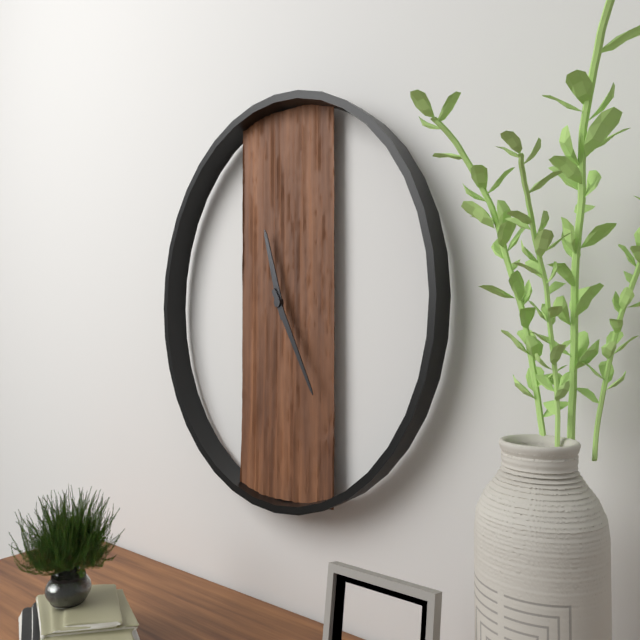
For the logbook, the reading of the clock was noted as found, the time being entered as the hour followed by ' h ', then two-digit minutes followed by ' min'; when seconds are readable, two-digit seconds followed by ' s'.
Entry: 11 h 25 min
